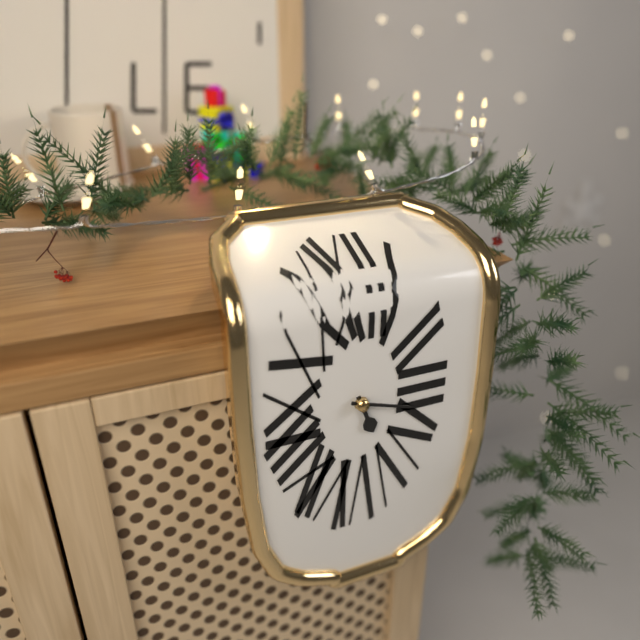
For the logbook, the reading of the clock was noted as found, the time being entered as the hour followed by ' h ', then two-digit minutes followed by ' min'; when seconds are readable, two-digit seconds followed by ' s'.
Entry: 5 h 18 min
